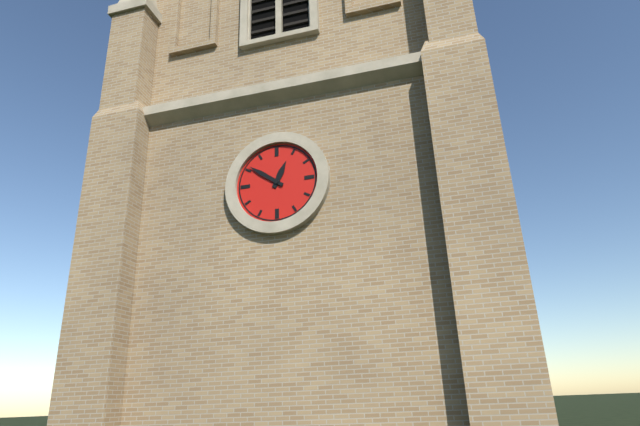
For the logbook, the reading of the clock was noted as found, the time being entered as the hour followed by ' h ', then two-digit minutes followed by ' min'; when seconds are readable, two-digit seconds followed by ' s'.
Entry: 12 h 51 min
